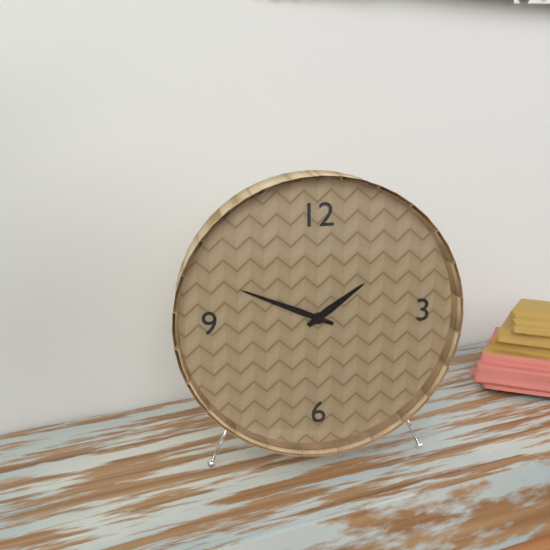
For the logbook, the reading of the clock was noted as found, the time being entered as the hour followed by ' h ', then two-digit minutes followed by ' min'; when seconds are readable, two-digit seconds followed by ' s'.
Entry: 1 h 49 min
